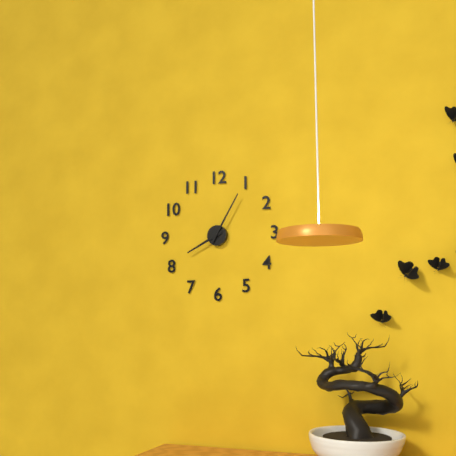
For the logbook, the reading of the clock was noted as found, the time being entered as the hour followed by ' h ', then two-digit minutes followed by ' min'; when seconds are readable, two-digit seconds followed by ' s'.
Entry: 8 h 05 min
